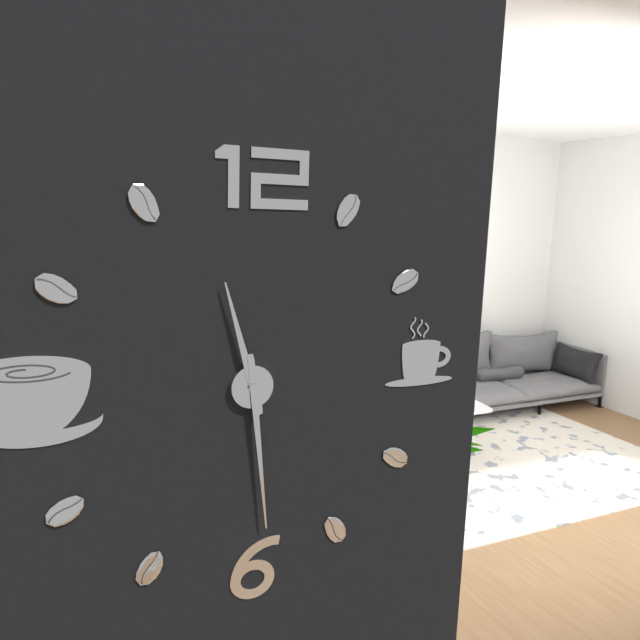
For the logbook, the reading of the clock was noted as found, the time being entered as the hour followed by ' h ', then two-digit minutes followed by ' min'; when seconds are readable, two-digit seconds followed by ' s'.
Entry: 11 h 29 min
